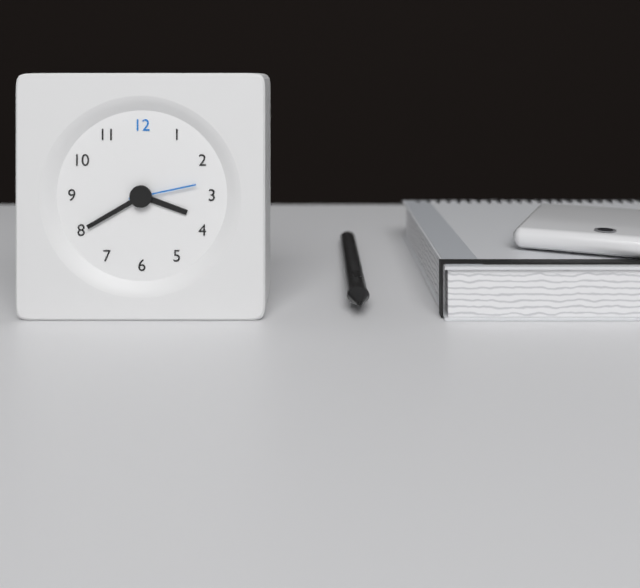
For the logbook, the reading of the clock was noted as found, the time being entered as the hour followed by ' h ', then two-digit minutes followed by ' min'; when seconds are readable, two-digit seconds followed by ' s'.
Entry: 3 h 40 min 13 s
